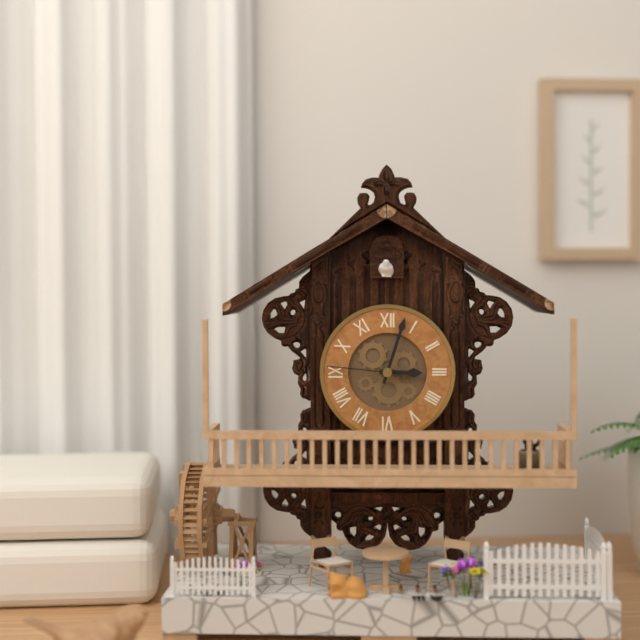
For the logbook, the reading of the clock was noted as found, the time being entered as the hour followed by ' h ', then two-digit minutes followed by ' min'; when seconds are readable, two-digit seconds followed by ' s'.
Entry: 3 h 03 min 46 s
